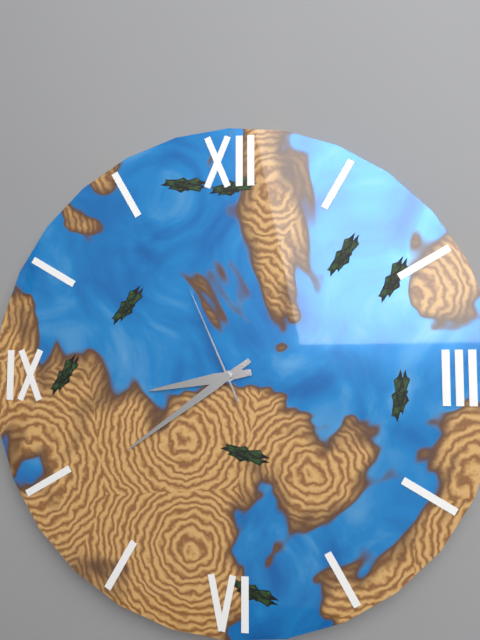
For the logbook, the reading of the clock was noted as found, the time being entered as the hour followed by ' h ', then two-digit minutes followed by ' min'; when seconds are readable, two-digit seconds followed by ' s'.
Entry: 8 h 39 min 56 s
